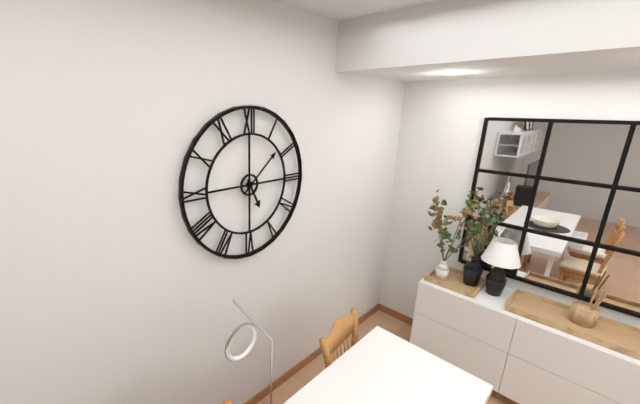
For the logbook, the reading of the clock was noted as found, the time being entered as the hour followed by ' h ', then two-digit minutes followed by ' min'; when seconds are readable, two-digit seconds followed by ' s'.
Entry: 5 h 08 min
